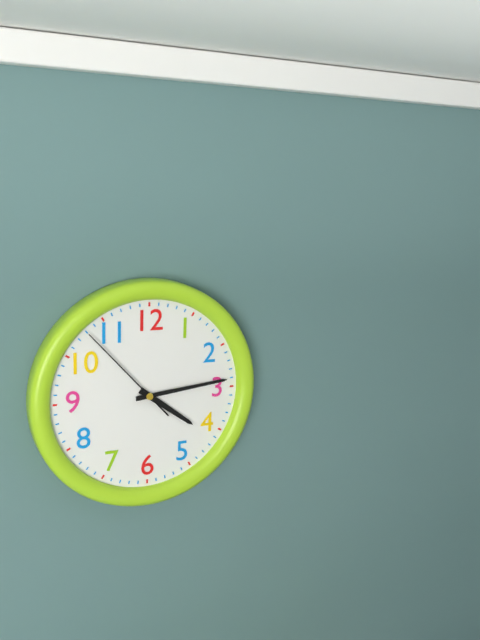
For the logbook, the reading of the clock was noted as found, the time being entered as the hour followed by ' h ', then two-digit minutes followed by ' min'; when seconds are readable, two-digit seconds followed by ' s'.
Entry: 4 h 14 min 53 s
